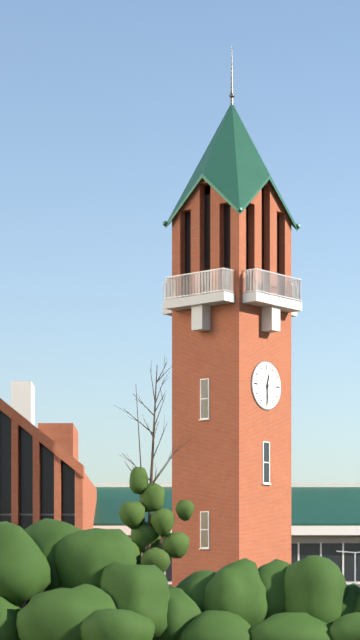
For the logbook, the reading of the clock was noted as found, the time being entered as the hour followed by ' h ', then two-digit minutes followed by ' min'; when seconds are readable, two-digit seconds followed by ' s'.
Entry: 12 h 30 min
